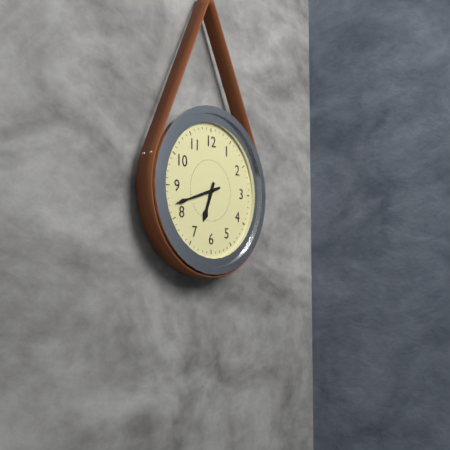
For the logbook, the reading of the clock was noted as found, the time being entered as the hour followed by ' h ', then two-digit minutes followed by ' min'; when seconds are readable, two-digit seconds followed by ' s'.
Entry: 6 h 42 min
